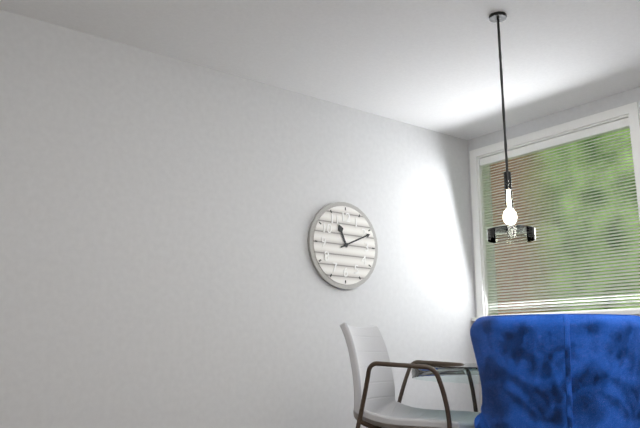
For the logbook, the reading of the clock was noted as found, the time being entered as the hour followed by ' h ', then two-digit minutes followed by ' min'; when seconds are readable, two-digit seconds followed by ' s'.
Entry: 11 h 11 min
